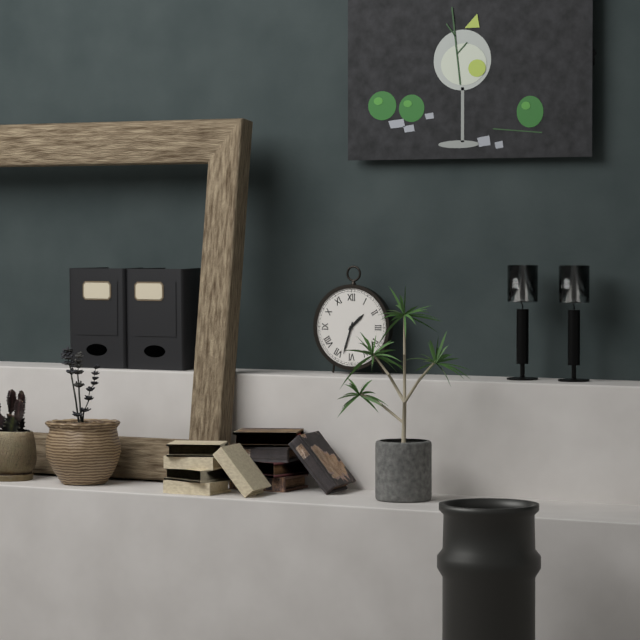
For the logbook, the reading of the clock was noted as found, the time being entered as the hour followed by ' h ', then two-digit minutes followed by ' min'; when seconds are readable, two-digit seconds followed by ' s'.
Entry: 1 h 33 min
